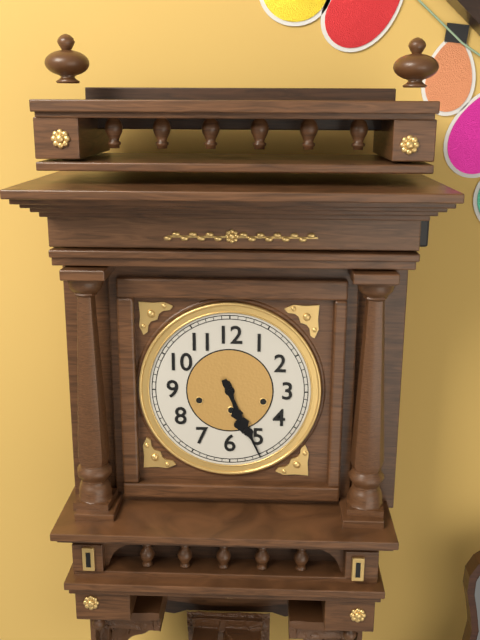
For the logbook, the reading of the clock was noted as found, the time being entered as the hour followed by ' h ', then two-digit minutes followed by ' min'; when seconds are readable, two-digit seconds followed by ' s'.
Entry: 5 h 26 min
